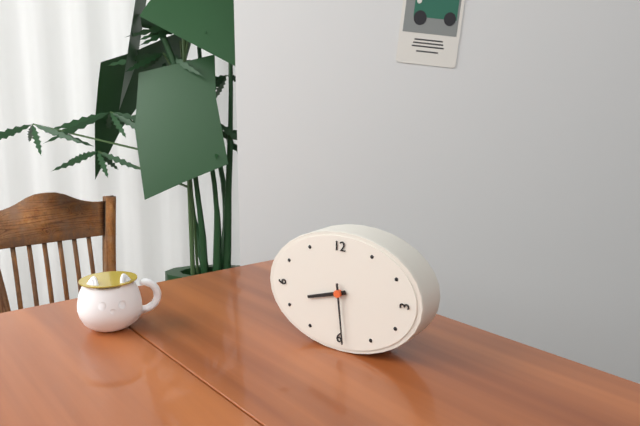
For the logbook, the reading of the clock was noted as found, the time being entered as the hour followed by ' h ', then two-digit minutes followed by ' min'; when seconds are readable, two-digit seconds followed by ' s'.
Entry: 8 h 29 min
